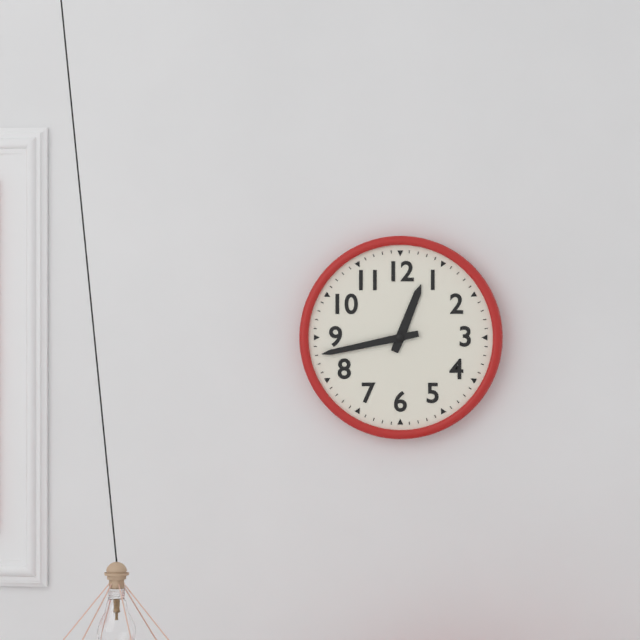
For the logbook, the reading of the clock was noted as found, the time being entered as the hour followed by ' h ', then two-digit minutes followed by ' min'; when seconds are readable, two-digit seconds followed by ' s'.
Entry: 12 h 43 min
